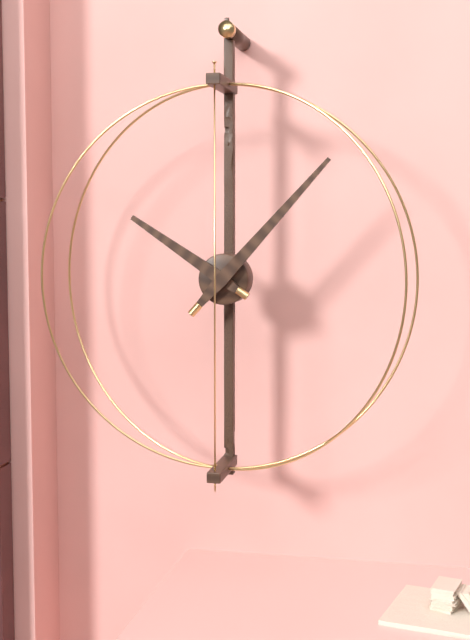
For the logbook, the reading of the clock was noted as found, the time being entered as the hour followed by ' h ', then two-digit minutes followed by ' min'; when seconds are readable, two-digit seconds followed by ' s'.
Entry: 10 h 07 min
